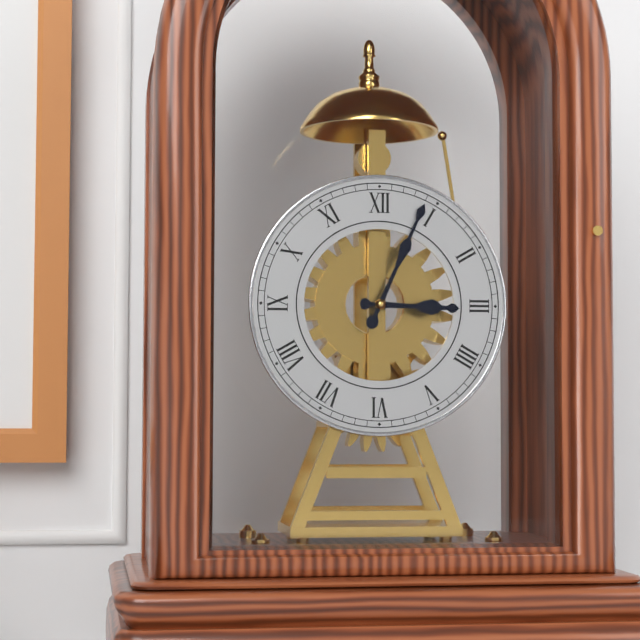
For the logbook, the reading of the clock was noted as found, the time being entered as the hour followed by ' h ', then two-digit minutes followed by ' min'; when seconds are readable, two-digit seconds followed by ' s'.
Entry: 3 h 04 min
